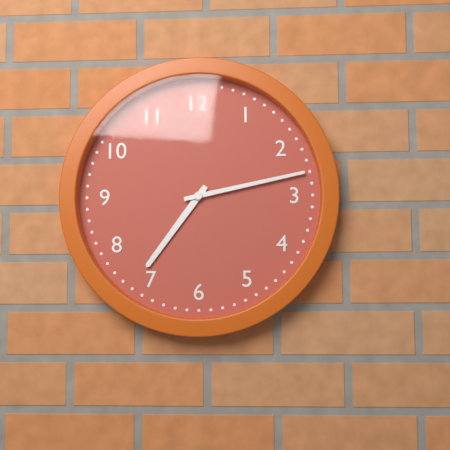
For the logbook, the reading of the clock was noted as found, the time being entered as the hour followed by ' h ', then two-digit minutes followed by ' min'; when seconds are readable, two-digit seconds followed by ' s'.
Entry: 7 h 13 min
